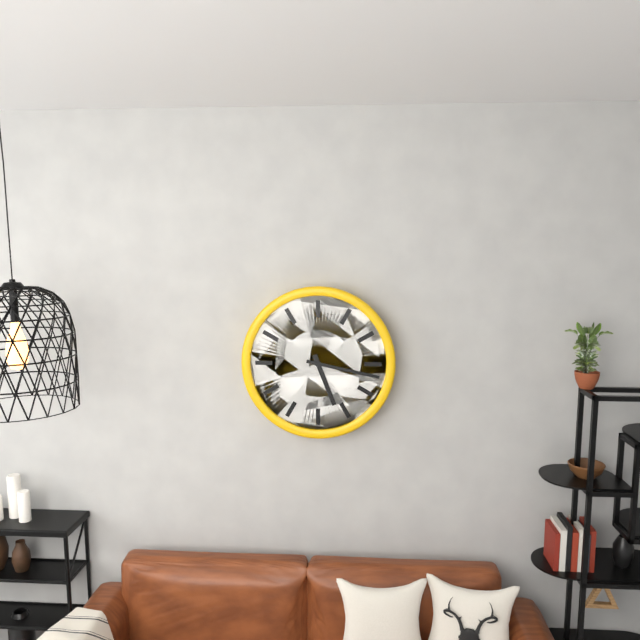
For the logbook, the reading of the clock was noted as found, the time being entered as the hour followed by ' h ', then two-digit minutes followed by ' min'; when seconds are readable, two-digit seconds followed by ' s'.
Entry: 5 h 17 min
